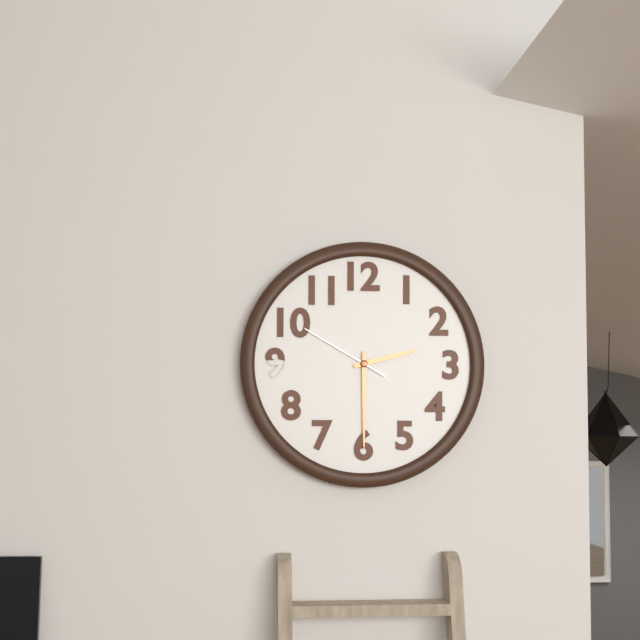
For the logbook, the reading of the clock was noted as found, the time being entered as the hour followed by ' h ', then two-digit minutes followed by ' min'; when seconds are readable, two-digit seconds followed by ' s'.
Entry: 2 h 30 min 50 s
